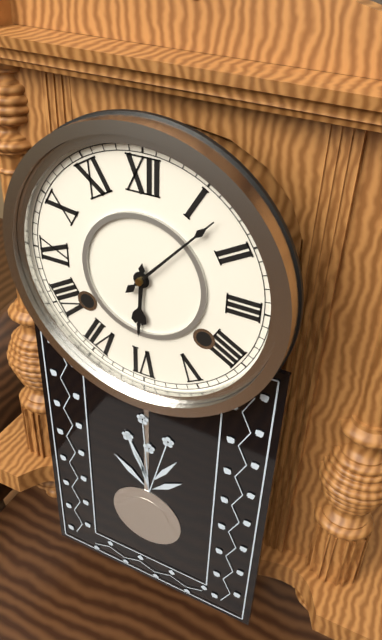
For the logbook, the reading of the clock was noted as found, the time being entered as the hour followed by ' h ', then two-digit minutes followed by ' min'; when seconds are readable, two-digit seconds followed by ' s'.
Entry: 6 h 07 min
